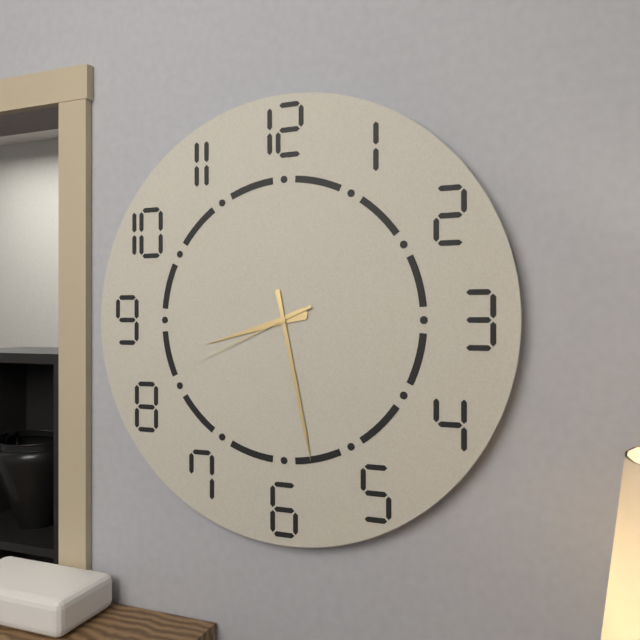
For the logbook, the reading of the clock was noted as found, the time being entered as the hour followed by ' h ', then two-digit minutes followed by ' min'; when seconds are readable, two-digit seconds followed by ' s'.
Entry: 8 h 28 min 41 s
